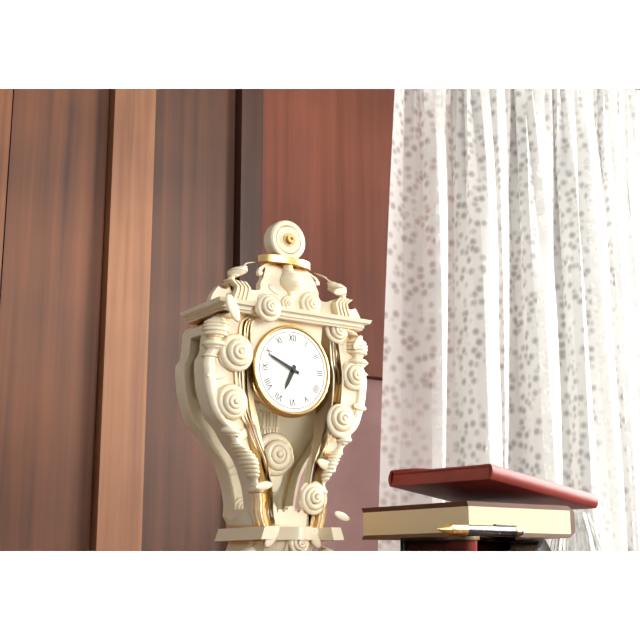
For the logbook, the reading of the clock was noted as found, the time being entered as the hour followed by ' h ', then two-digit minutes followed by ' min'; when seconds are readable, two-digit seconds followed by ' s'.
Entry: 6 h 49 min
